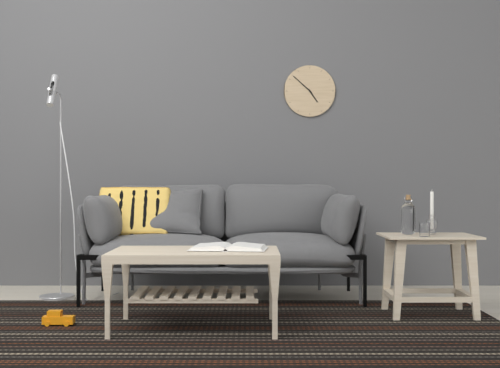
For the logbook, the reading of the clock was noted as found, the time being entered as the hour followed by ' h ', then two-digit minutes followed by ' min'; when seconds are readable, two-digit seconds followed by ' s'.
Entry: 4 h 52 min
